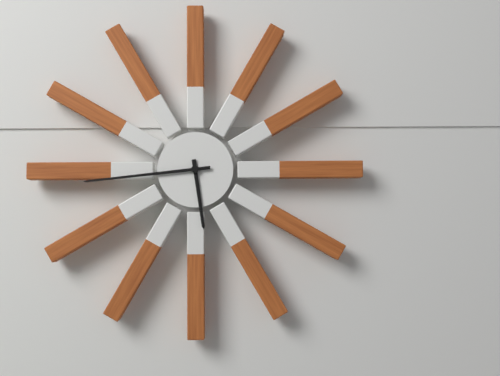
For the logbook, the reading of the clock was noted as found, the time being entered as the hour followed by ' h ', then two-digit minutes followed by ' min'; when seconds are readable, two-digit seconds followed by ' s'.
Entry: 5 h 44 min
